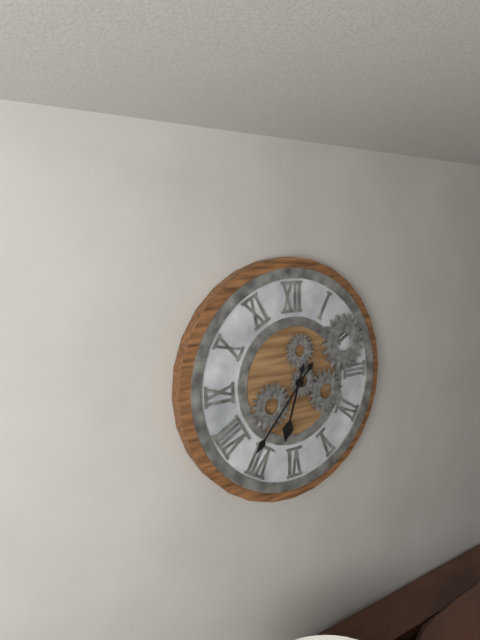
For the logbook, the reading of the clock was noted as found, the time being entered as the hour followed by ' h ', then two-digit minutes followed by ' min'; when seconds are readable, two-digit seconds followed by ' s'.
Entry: 6 h 37 min
